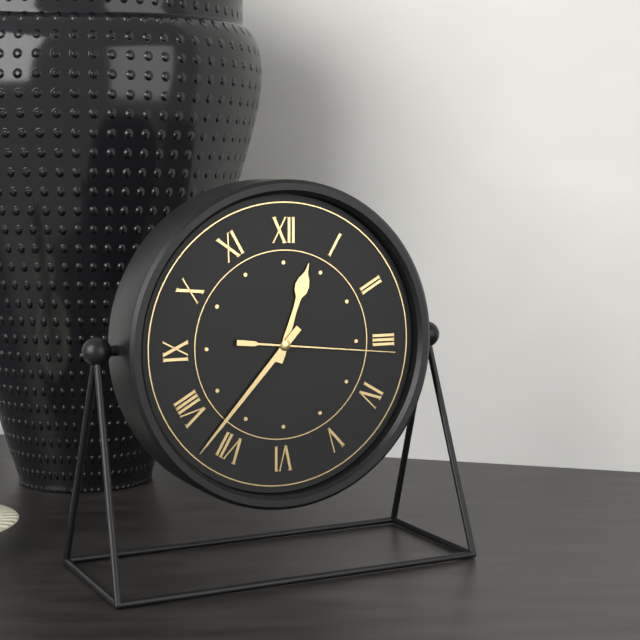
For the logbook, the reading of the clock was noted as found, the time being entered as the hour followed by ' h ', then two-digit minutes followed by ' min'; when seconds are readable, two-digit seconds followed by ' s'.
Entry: 12 h 37 min 16 s
